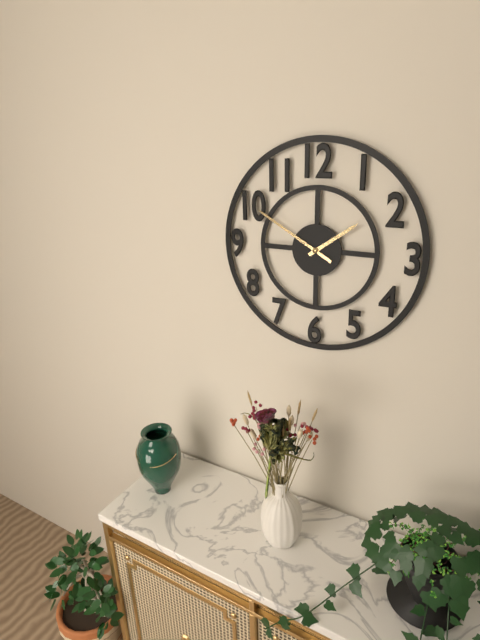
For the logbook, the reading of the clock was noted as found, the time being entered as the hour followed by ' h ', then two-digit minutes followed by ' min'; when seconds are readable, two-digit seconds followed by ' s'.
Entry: 1 h 50 min
